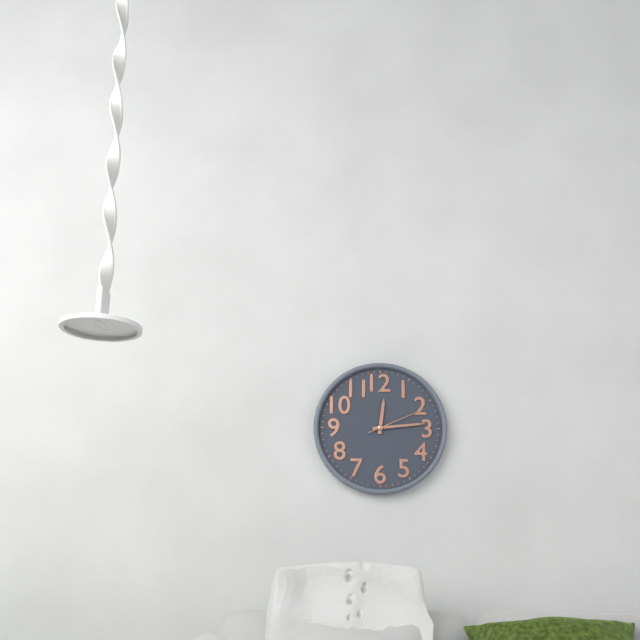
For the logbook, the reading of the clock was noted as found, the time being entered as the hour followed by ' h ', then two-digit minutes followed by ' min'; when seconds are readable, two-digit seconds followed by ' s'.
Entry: 12 h 14 min 11 s
